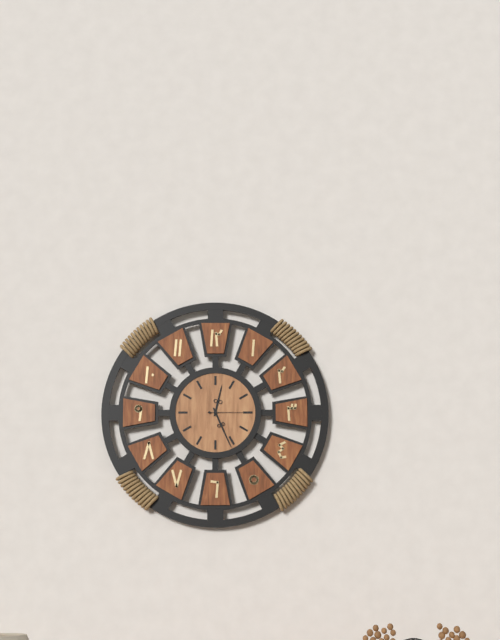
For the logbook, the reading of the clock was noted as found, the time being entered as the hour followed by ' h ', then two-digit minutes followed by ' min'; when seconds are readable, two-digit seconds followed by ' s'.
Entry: 12 h 26 min
